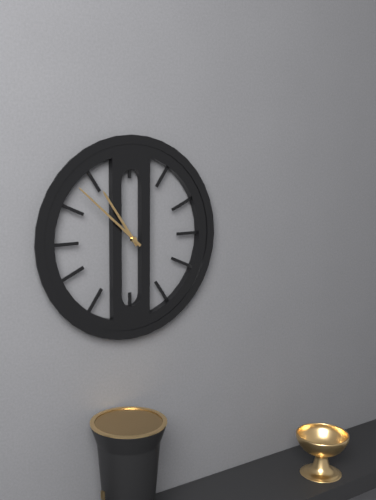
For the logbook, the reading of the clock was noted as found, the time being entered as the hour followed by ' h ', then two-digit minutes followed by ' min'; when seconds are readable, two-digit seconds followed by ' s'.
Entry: 10 h 52 min
